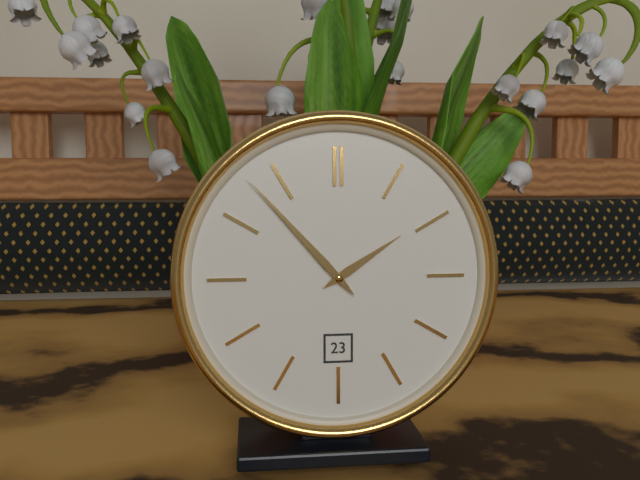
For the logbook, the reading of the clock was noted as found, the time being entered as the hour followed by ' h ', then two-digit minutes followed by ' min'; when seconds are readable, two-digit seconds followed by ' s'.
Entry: 1 h 53 min
